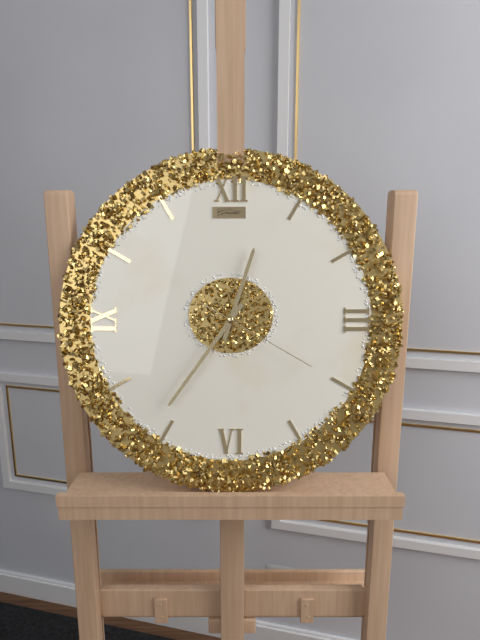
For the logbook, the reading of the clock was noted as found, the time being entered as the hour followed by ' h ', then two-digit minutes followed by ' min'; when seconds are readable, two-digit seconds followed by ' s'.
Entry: 12 h 36 min 20 s
